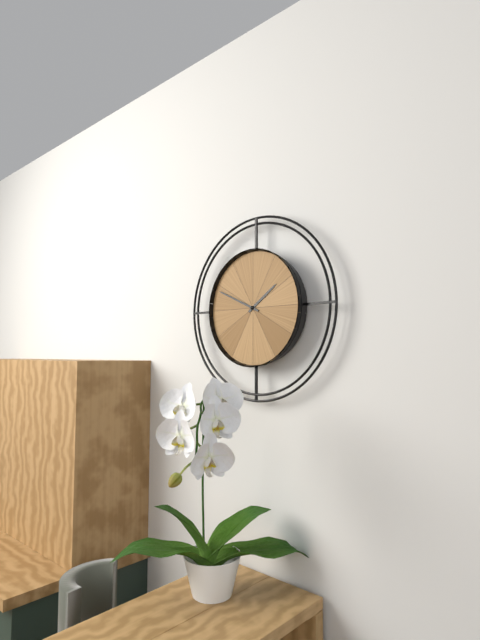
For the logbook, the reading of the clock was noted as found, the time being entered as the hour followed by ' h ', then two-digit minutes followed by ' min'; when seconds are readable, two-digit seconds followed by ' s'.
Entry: 1 h 49 min
